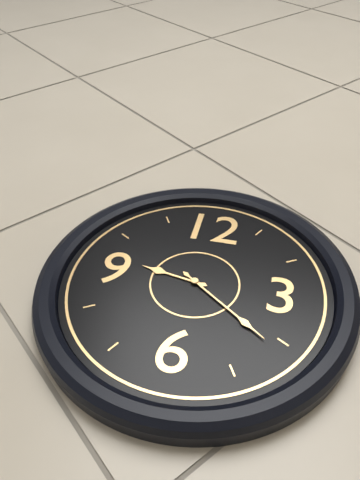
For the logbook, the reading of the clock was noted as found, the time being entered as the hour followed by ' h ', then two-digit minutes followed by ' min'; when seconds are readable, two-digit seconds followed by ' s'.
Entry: 9 h 21 min
